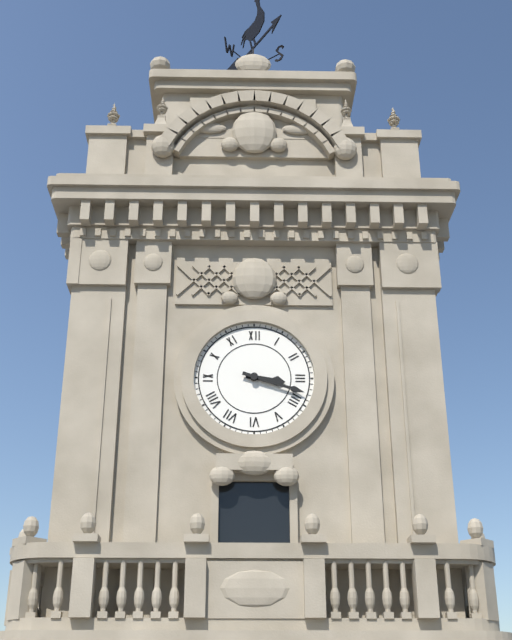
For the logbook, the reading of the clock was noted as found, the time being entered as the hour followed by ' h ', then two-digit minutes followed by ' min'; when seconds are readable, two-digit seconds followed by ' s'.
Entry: 3 h 18 min
